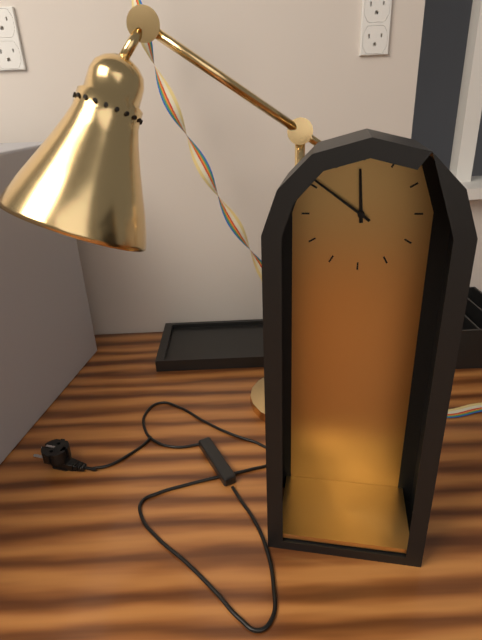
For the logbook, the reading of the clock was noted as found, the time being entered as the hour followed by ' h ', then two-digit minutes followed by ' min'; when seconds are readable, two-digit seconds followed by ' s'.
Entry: 11 h 51 min
